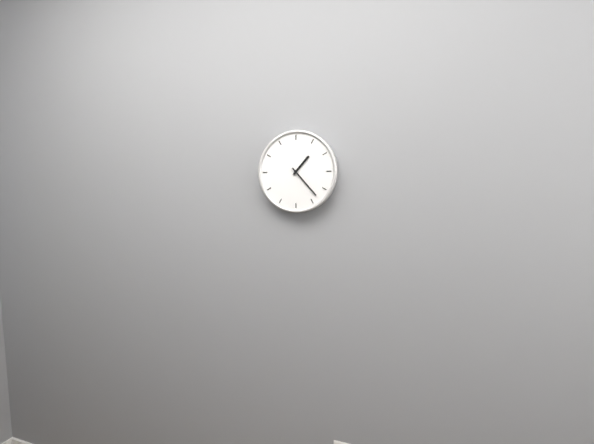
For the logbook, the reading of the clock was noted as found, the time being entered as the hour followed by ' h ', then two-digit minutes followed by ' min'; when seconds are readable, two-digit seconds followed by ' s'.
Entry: 1 h 23 min
